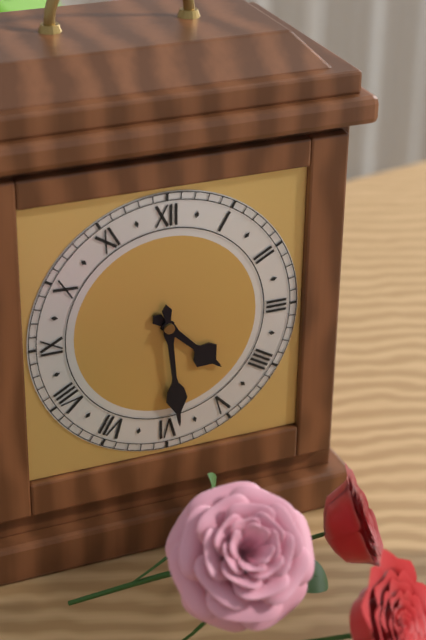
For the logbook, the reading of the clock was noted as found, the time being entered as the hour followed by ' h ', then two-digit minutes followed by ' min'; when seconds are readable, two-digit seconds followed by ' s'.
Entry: 4 h 29 min
